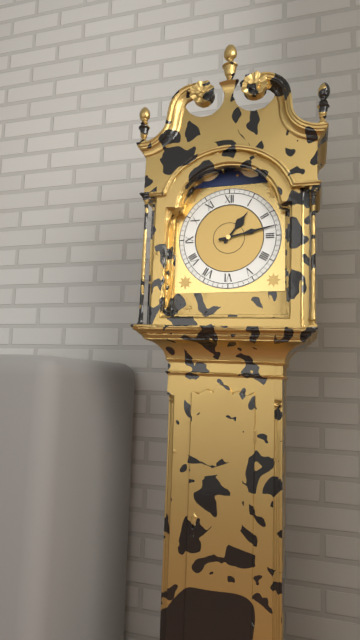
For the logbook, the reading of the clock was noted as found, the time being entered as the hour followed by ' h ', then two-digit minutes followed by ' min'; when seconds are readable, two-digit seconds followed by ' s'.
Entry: 1 h 13 min
